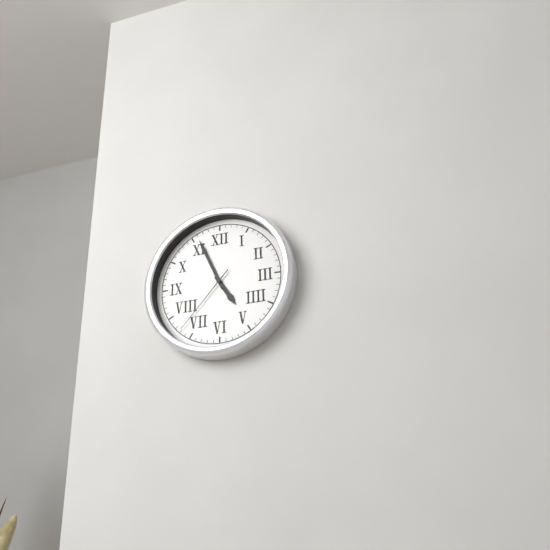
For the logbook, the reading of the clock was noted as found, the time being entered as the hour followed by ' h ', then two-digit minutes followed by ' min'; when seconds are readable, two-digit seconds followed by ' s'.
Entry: 4 h 56 min 37 s
